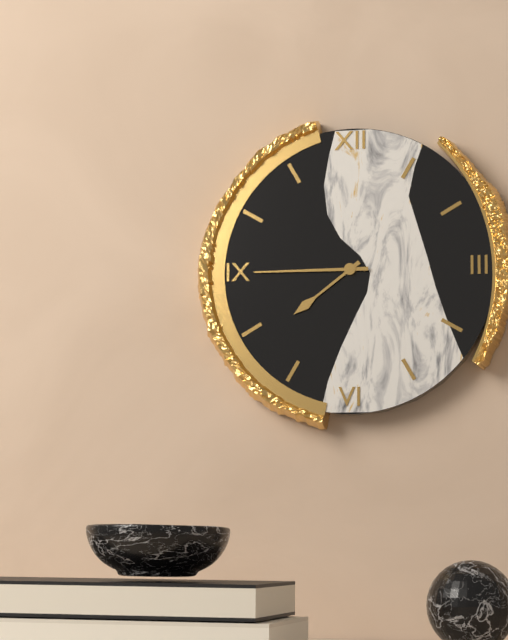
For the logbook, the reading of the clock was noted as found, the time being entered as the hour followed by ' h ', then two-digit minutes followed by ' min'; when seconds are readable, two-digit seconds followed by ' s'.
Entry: 7 h 45 min
